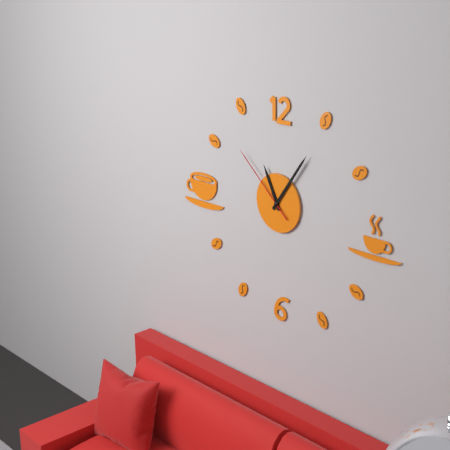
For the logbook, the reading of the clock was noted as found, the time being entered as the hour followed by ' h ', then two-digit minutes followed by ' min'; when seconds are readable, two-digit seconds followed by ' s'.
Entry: 11 h 06 min 52 s
